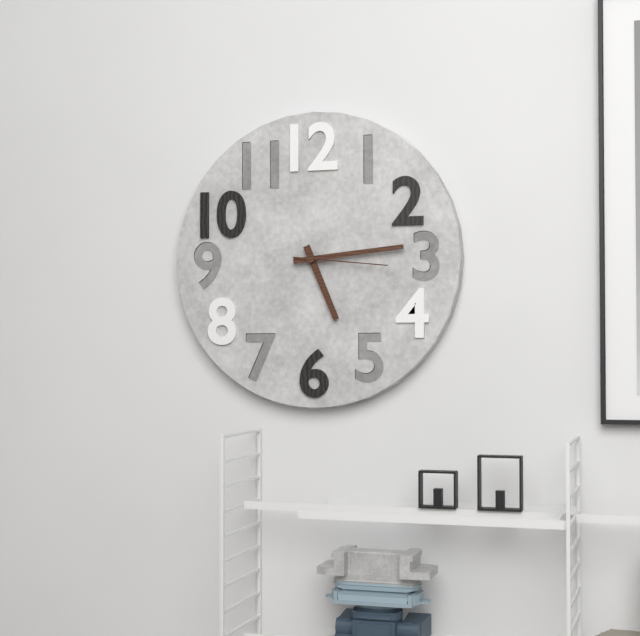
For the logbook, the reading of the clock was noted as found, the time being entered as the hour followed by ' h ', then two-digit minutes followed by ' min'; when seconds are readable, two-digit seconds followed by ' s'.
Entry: 5 h 14 min 16 s
